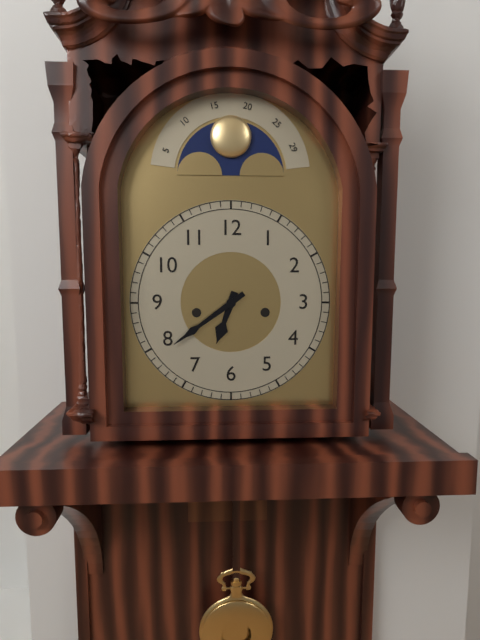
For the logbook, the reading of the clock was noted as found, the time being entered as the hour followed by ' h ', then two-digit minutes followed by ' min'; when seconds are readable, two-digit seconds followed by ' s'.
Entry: 6 h 39 min
